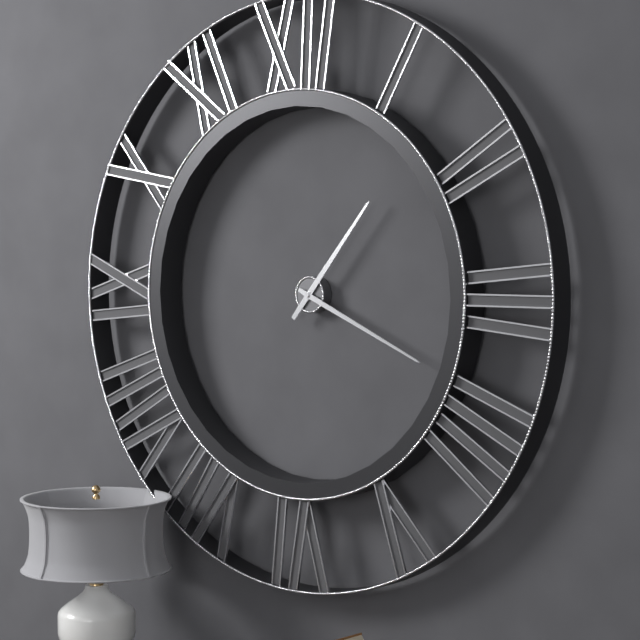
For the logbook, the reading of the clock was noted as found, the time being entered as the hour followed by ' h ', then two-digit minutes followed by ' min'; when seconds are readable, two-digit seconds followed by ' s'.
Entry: 1 h 19 min
